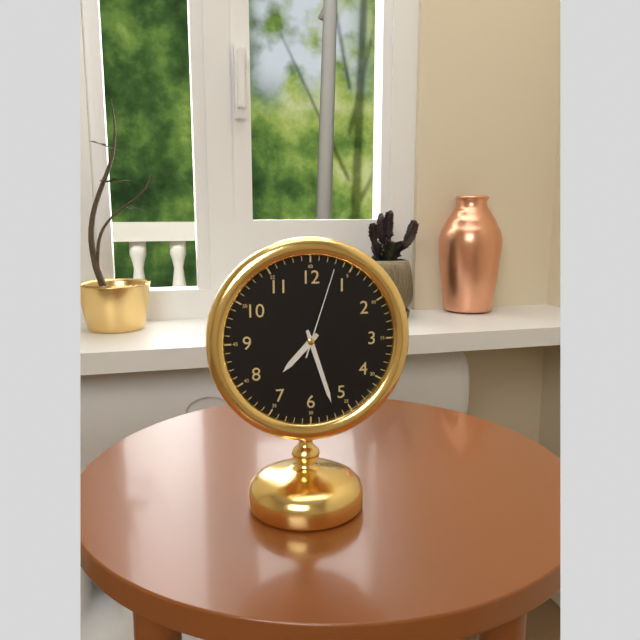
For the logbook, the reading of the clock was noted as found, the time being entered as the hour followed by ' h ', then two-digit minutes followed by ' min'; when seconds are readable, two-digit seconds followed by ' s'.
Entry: 7 h 27 min 03 s
